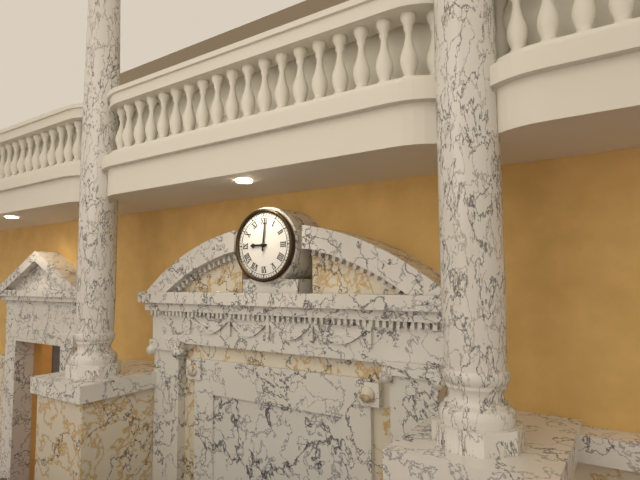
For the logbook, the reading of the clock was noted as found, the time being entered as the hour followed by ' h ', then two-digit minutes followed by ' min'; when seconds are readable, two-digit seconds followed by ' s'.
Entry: 9 h 01 min
